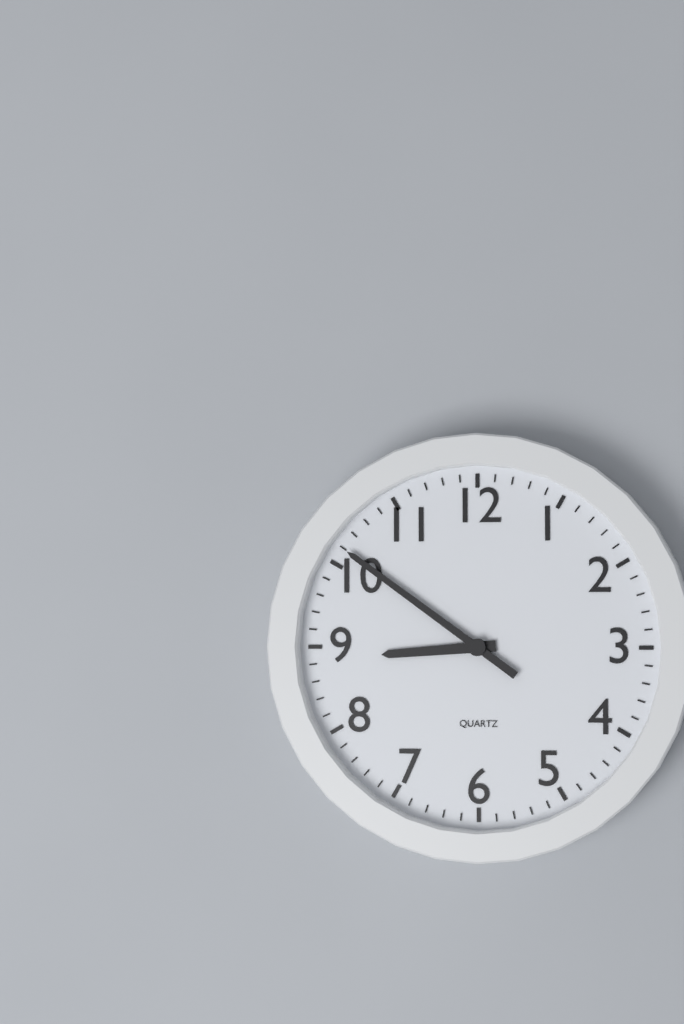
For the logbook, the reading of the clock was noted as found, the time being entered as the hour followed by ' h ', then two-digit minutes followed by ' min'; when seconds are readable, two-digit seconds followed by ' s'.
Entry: 8 h 51 min
